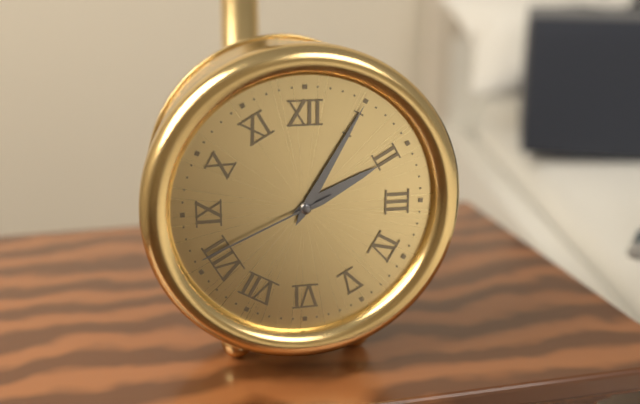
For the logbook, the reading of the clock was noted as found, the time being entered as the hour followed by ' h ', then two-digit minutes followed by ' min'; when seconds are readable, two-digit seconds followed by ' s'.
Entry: 2 h 05 min 41 s
